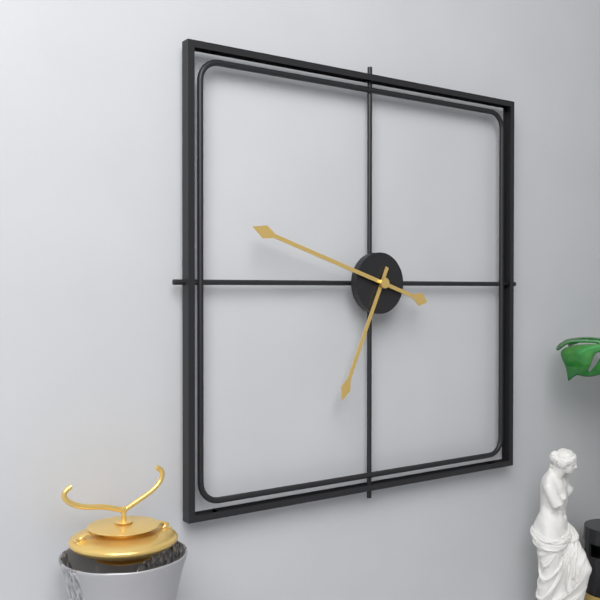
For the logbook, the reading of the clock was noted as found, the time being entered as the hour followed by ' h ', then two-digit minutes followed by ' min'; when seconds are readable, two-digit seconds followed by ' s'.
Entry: 6 h 48 min
